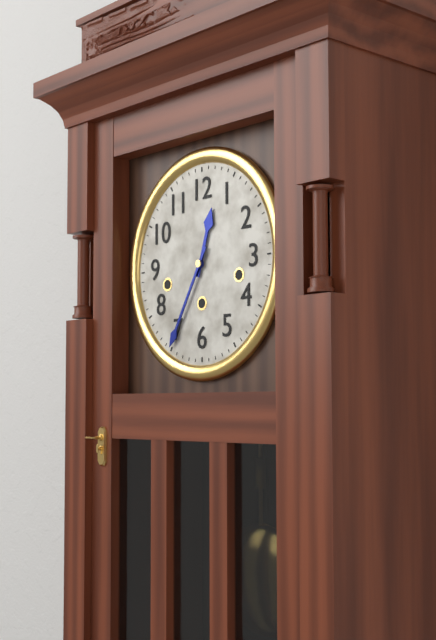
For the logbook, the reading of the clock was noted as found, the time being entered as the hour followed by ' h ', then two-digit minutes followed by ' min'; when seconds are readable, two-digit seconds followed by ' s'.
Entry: 12 h 35 min
